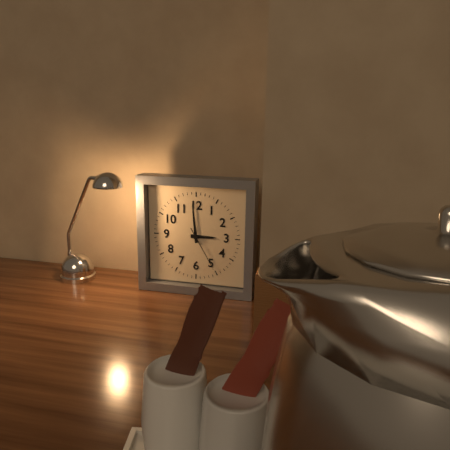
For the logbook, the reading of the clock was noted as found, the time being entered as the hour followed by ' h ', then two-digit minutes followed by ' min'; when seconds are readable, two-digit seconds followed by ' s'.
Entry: 2 h 59 min
